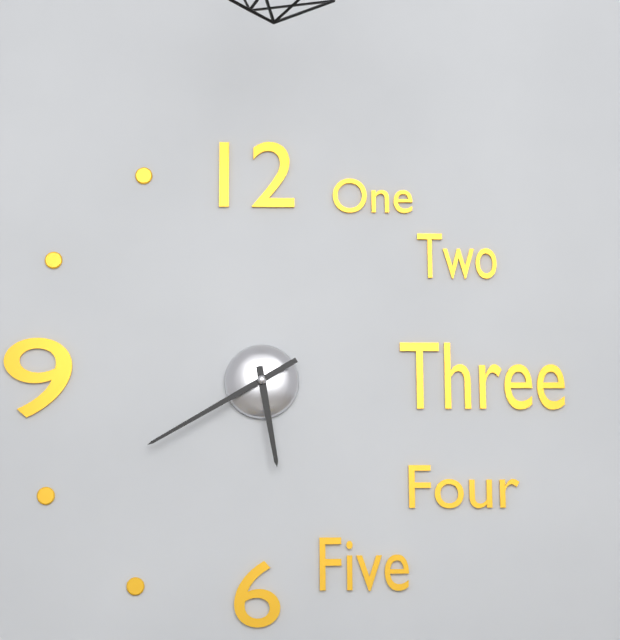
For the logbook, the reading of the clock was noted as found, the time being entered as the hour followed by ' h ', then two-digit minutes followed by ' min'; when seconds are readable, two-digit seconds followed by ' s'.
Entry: 5 h 40 min
